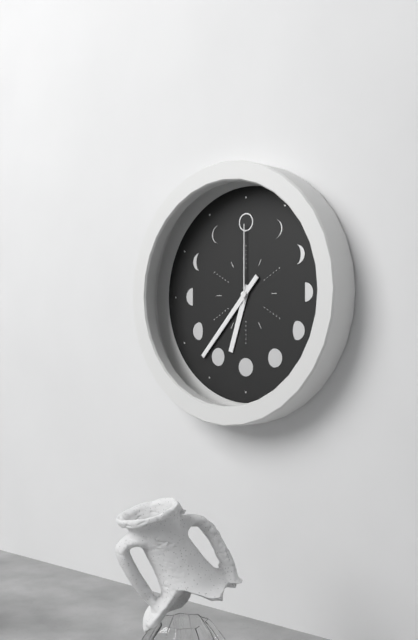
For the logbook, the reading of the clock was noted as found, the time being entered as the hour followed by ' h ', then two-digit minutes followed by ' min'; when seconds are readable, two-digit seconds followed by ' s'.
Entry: 6 h 37 min 00 s
